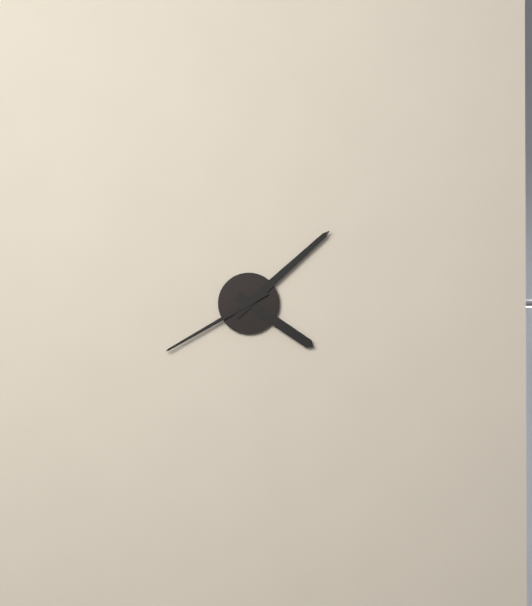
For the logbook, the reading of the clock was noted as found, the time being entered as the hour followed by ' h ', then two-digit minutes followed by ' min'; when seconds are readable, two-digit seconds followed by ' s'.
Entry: 4 h 08 min 40 s
